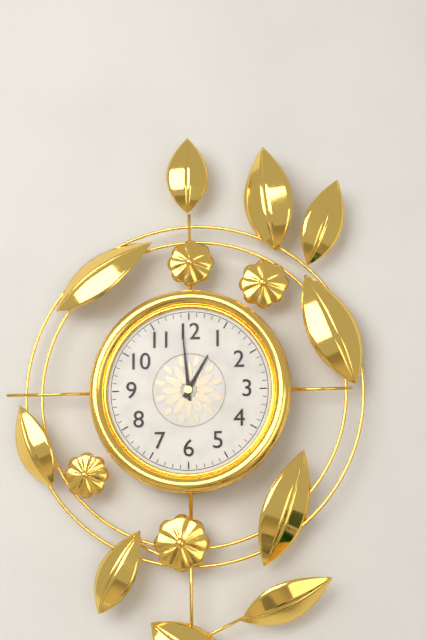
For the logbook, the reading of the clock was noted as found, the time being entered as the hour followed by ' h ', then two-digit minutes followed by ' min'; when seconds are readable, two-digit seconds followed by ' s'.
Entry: 12 h 59 min
